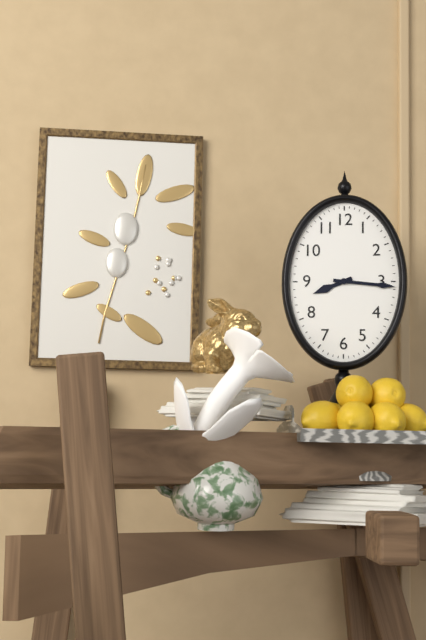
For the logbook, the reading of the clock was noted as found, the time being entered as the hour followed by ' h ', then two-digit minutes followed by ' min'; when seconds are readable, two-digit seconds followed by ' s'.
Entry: 8 h 16 min
